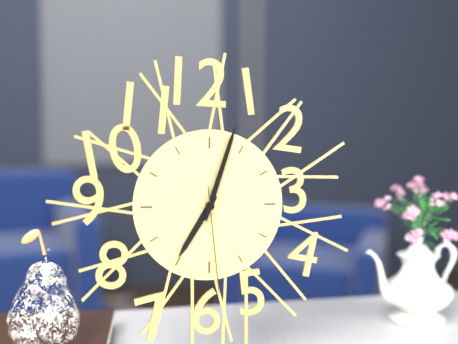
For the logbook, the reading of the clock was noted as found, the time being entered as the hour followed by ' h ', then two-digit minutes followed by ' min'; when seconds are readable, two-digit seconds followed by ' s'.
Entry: 7 h 03 min 29 s
